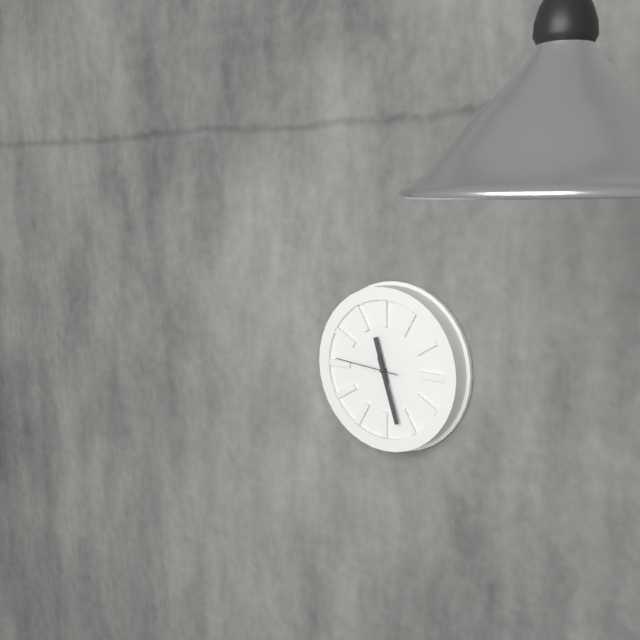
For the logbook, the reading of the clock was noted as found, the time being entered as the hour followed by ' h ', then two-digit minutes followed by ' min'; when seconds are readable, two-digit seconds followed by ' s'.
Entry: 11 h 27 min 46 s
